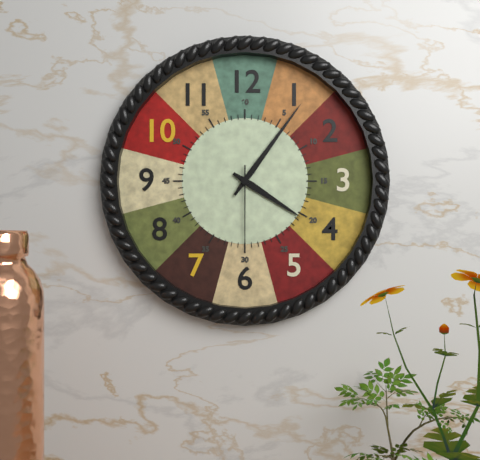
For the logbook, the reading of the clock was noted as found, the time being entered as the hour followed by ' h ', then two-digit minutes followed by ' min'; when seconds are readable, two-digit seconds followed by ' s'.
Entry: 4 h 06 min 30 s
